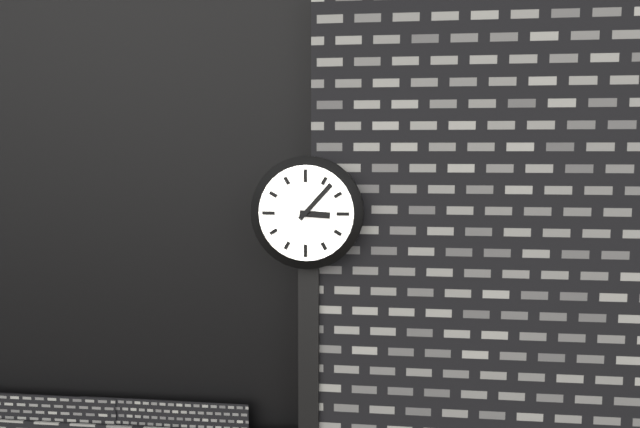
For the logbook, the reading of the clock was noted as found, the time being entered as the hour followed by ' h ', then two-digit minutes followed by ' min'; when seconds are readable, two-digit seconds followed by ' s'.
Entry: 3 h 07 min
